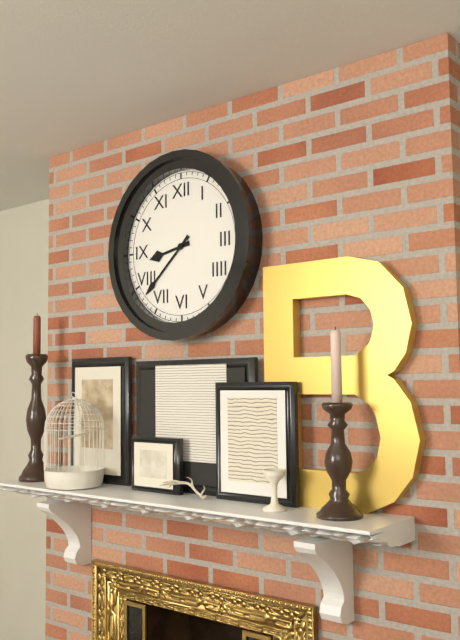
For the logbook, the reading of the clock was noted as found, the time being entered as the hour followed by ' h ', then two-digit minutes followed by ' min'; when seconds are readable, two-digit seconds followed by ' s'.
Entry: 8 h 38 min
